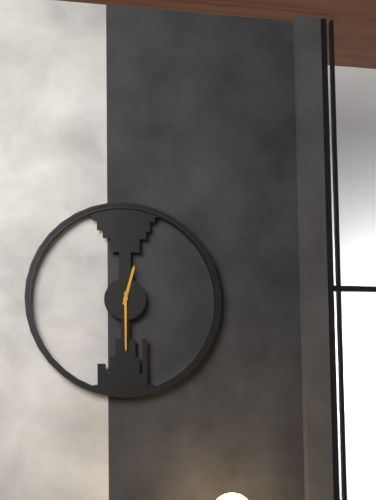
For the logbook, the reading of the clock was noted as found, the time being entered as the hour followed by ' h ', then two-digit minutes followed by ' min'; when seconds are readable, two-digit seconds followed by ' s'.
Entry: 12 h 30 min
